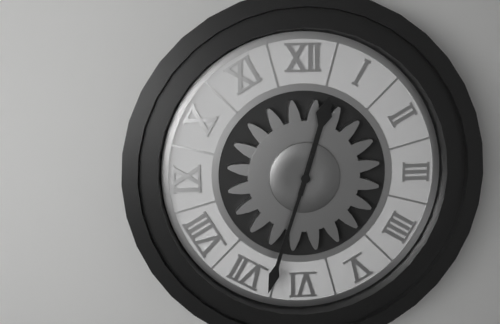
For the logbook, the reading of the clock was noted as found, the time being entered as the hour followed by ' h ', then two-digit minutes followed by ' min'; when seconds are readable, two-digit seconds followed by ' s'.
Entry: 12 h 33 min
